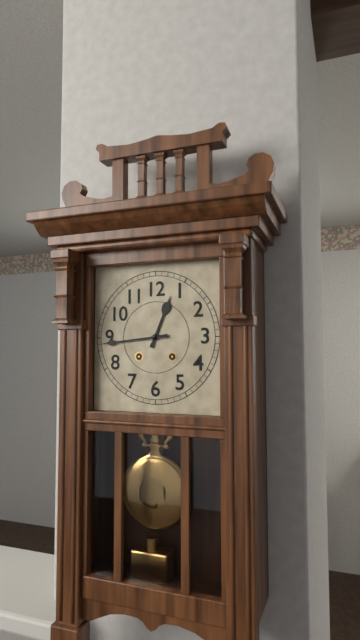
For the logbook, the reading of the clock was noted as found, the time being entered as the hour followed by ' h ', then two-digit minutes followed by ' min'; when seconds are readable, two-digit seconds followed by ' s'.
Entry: 12 h 44 min
